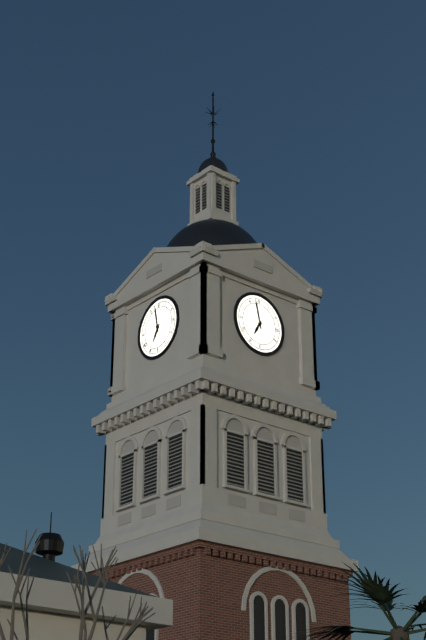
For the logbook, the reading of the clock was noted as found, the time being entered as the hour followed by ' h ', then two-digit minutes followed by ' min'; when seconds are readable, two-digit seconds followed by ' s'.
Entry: 6 h 58 min
